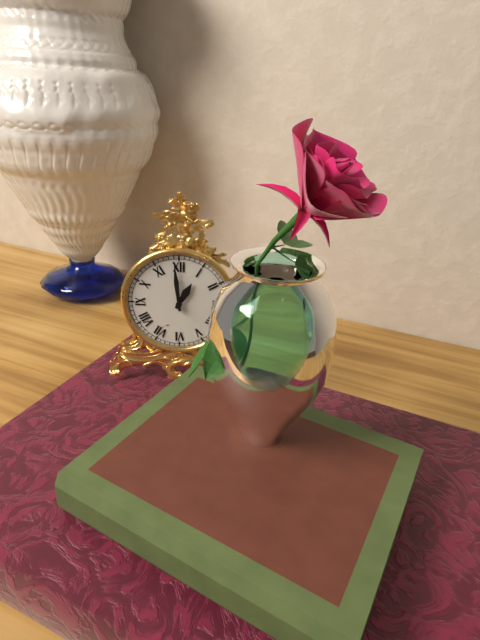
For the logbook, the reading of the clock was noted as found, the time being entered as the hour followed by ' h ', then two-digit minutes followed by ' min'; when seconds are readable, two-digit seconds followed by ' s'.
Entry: 12 h 59 min
